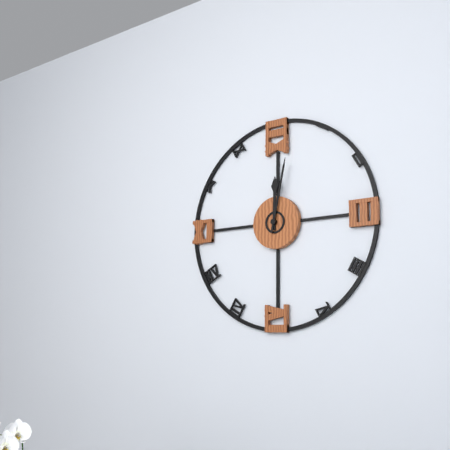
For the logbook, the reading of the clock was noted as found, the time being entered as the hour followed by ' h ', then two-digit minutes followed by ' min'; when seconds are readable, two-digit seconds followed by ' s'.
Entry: 12 h 02 min
